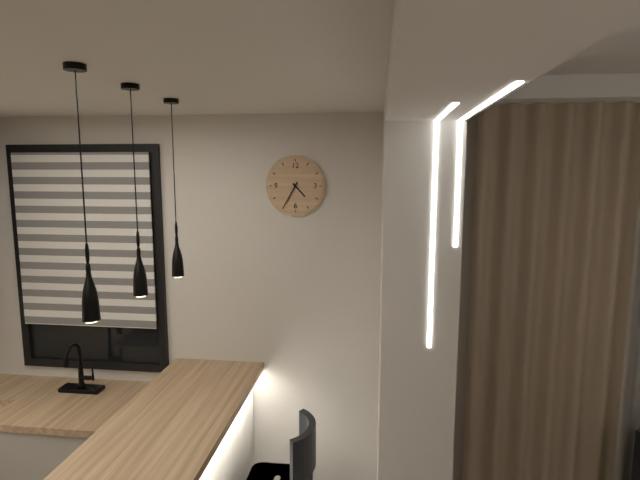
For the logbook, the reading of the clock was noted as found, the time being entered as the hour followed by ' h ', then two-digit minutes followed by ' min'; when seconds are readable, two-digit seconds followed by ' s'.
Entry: 4 h 35 min
